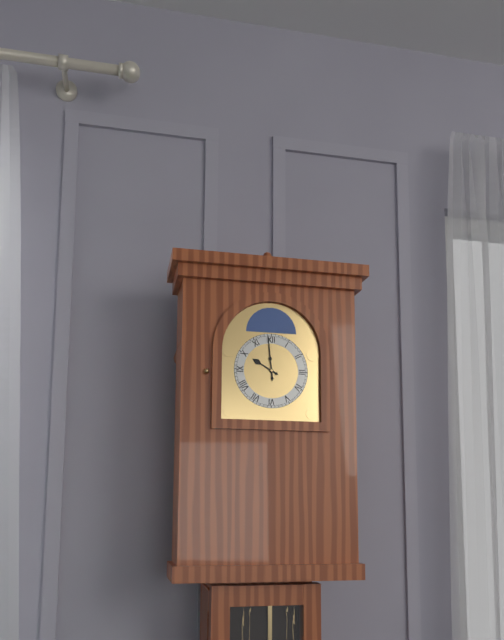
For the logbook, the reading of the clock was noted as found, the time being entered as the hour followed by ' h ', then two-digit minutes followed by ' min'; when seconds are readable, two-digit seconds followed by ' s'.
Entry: 9 h 59 min
